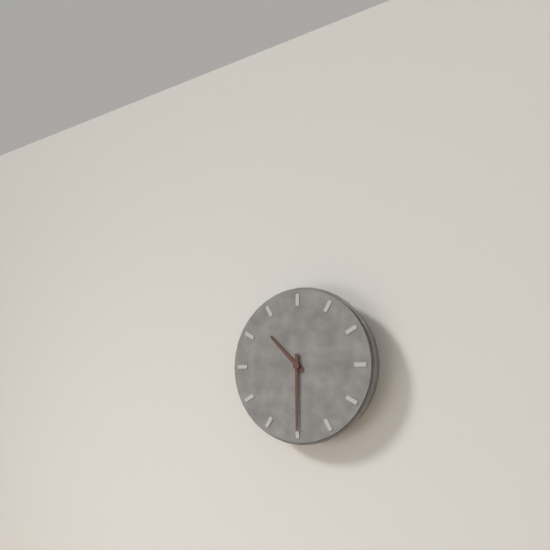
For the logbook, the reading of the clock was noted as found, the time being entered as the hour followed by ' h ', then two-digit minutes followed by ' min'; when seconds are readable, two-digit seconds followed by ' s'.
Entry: 10 h 30 min
